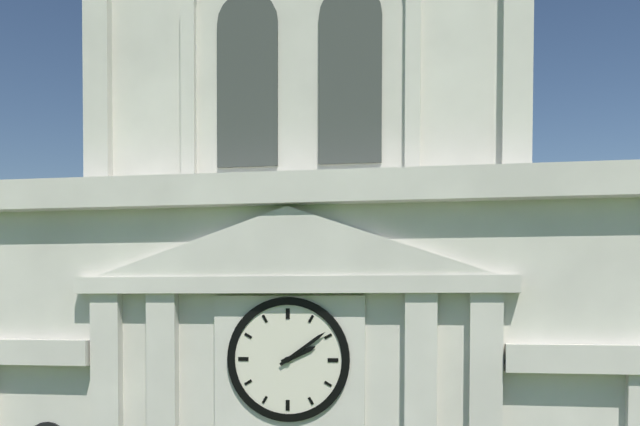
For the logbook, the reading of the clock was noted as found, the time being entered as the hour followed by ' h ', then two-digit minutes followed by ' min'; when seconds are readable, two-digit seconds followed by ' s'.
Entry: 2 h 09 min
